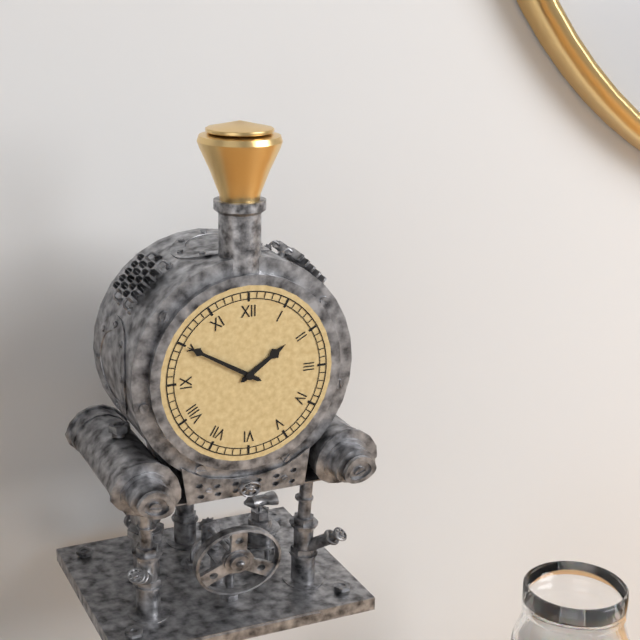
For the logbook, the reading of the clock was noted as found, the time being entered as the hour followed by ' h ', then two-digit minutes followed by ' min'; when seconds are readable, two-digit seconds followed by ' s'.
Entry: 1 h 50 min
